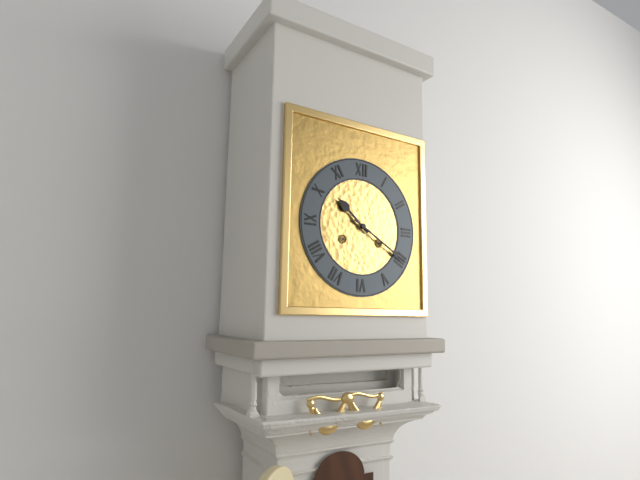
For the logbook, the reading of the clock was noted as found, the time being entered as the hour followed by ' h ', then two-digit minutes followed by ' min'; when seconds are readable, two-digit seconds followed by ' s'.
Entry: 10 h 20 min
